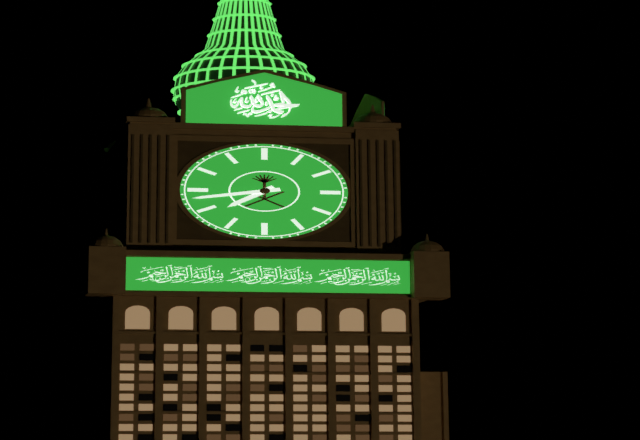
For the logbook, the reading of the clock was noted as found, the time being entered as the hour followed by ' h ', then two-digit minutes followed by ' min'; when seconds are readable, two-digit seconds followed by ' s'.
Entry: 7 h 43 min
